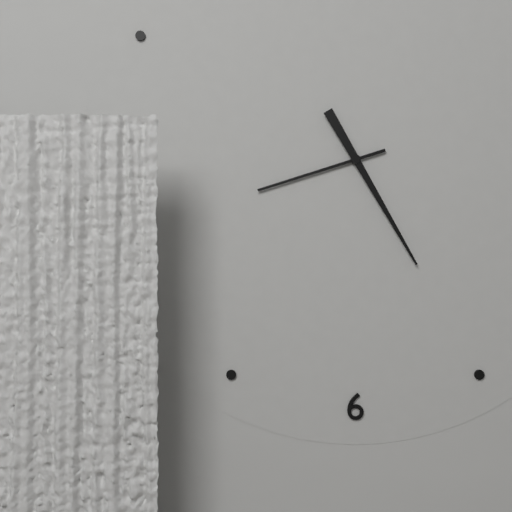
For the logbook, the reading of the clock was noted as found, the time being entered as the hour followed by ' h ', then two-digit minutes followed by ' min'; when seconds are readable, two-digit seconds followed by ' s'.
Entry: 8 h 25 min
